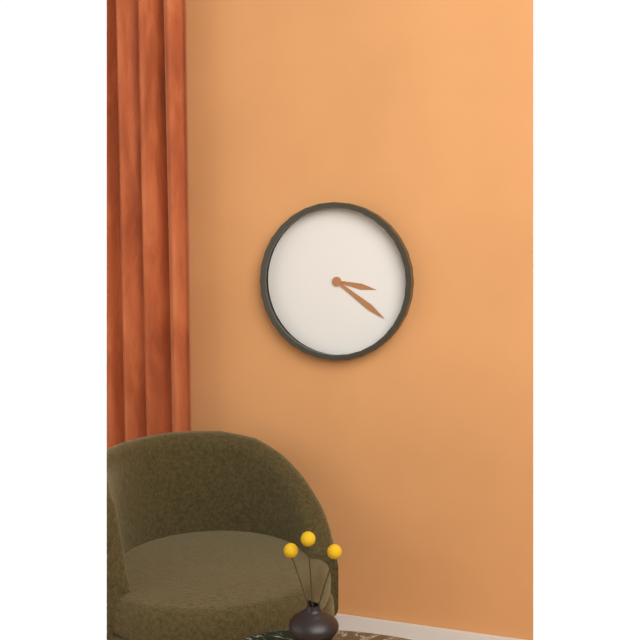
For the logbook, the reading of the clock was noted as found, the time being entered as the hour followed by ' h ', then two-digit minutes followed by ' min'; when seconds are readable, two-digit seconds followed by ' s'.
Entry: 3 h 21 min
